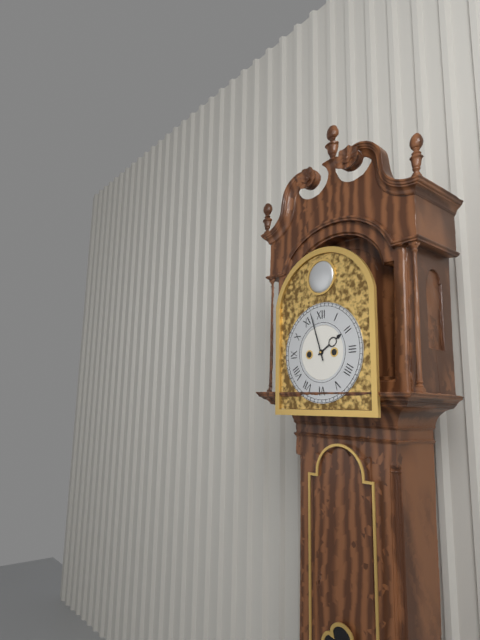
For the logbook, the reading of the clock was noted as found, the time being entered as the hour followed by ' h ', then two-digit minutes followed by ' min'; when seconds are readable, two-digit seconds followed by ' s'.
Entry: 1 h 57 min
